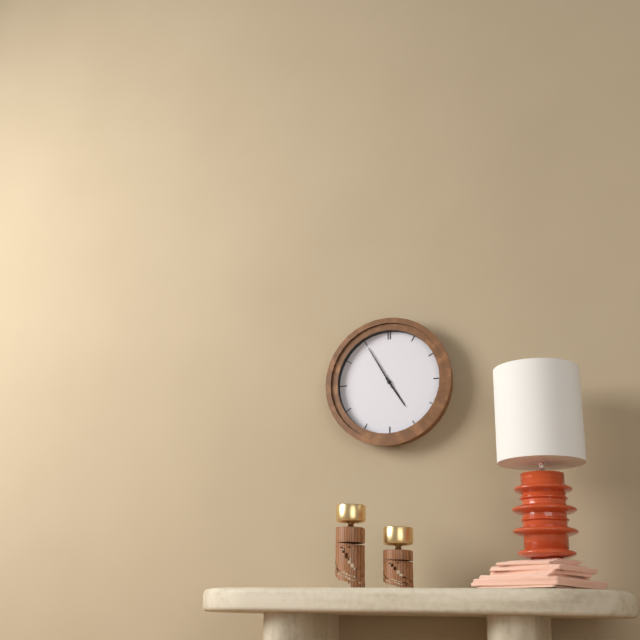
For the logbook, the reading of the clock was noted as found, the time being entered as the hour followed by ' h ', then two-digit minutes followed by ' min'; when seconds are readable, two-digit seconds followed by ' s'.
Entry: 4 h 55 min
